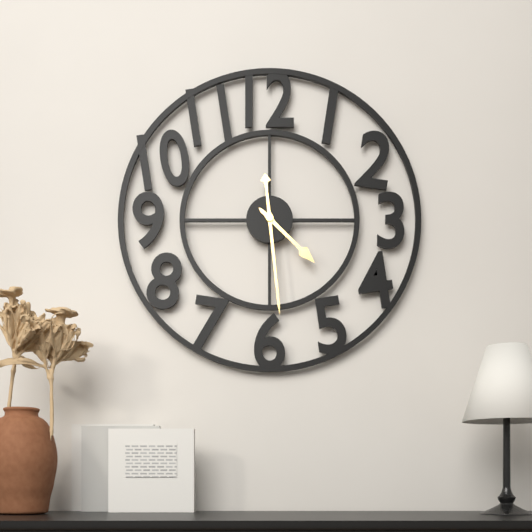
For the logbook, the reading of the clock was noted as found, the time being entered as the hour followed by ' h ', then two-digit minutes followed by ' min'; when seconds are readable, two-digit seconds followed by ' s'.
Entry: 4 h 29 min
